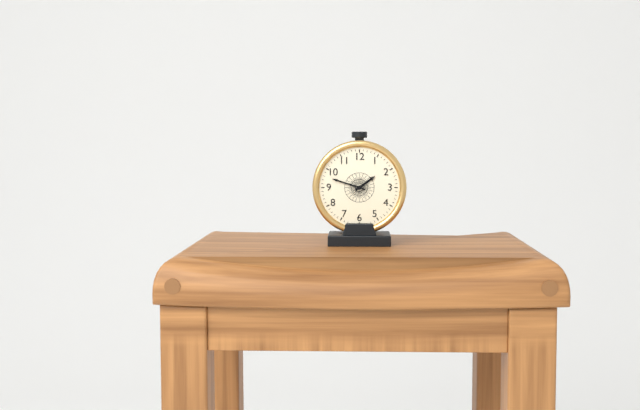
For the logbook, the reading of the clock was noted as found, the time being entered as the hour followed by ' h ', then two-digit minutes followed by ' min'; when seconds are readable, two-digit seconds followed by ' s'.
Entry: 1 h 48 min
